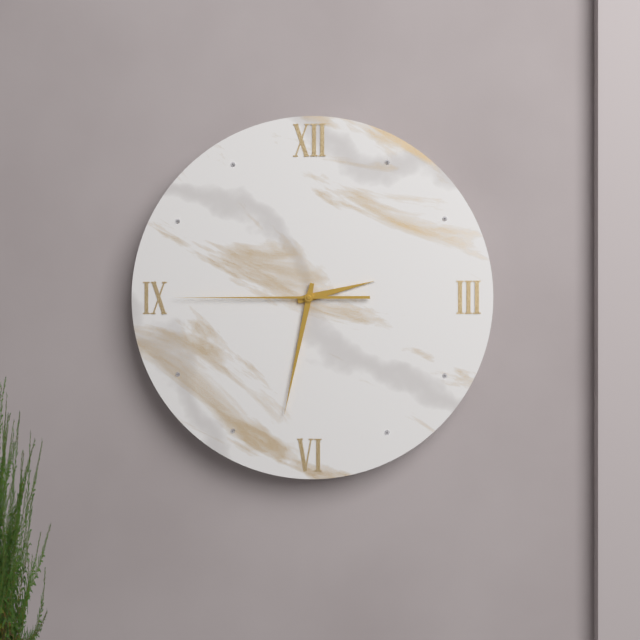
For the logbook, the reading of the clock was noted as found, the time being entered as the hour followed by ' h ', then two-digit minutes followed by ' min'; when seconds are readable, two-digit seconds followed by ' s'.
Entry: 2 h 32 min 45 s
